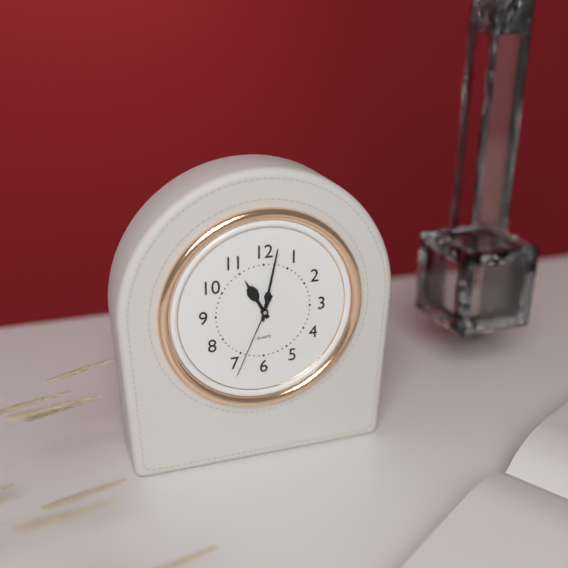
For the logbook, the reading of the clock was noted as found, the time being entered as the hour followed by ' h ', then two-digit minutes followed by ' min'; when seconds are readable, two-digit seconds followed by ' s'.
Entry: 11 h 02 min 34 s
